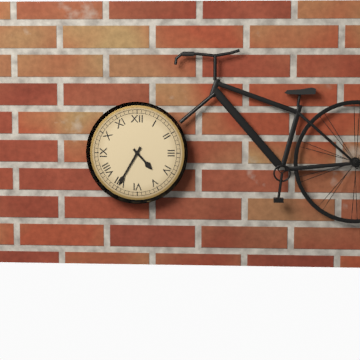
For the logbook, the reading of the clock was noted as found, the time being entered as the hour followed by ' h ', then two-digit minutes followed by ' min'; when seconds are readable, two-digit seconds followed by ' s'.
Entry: 4 h 35 min
